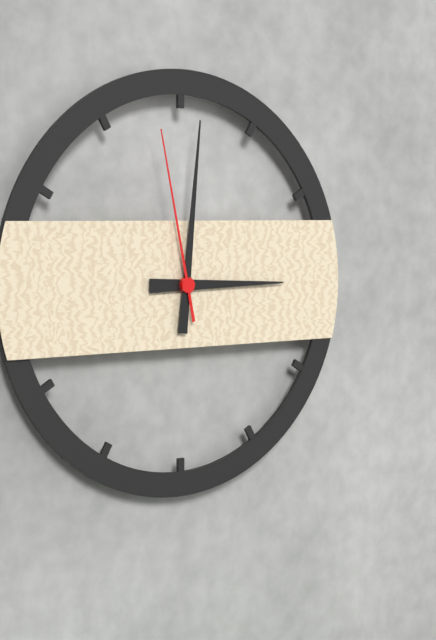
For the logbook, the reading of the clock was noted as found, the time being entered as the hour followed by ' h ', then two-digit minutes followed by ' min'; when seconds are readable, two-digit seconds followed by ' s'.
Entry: 3 h 01 min 58 s
